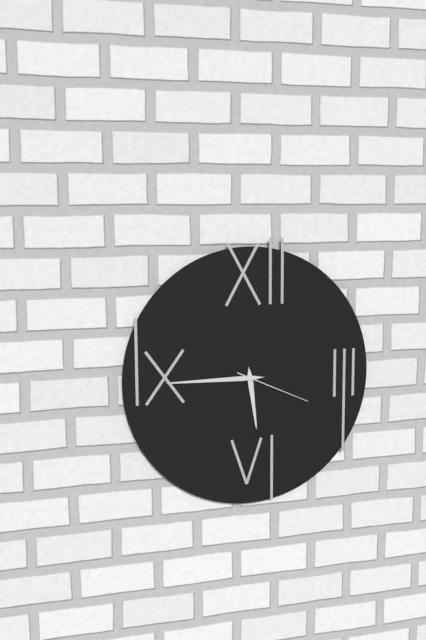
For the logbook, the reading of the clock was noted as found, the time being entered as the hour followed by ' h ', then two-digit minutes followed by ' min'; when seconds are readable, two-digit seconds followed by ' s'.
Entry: 5 h 45 min 19 s
